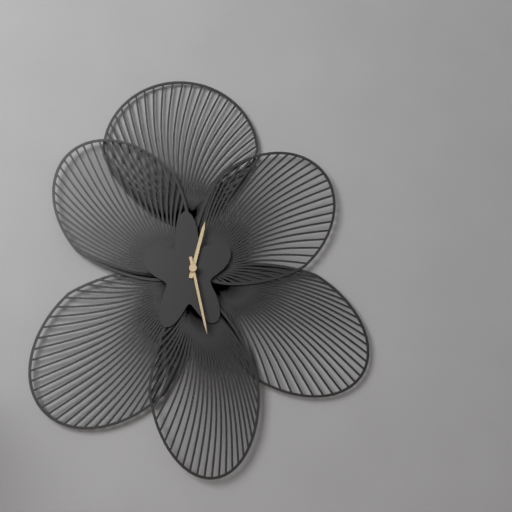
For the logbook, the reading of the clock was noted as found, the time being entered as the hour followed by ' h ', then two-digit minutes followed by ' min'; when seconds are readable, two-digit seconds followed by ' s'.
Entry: 12 h 28 min
